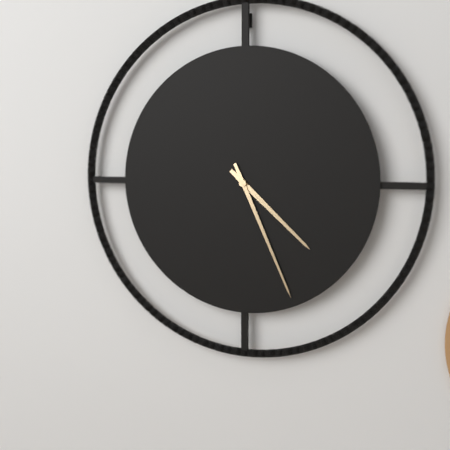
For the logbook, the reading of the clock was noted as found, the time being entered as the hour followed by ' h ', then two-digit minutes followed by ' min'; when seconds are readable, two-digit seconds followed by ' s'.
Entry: 4 h 26 min
